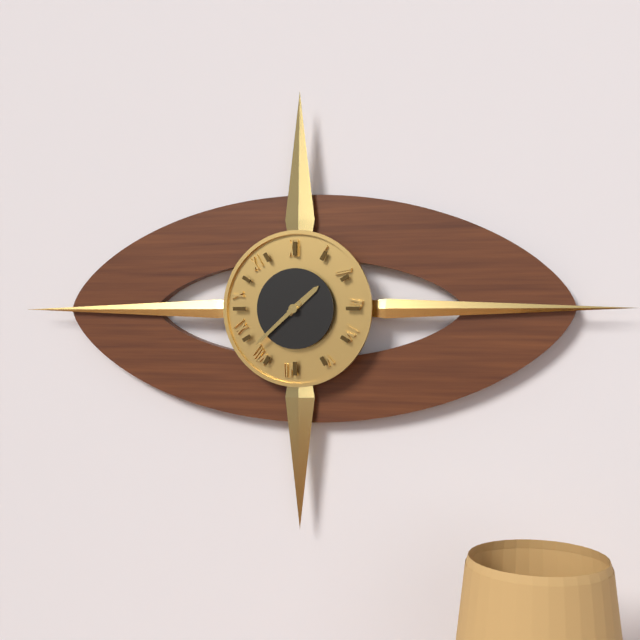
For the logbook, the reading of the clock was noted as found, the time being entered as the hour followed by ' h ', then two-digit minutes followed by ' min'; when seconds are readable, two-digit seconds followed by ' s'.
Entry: 1 h 38 min
